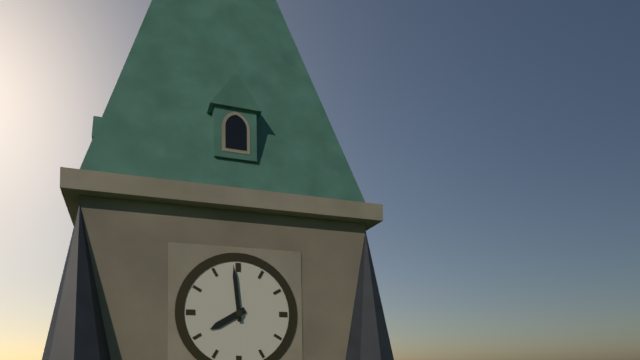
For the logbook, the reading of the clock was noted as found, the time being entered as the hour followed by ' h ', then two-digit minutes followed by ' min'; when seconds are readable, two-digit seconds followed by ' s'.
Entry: 7 h 59 min
